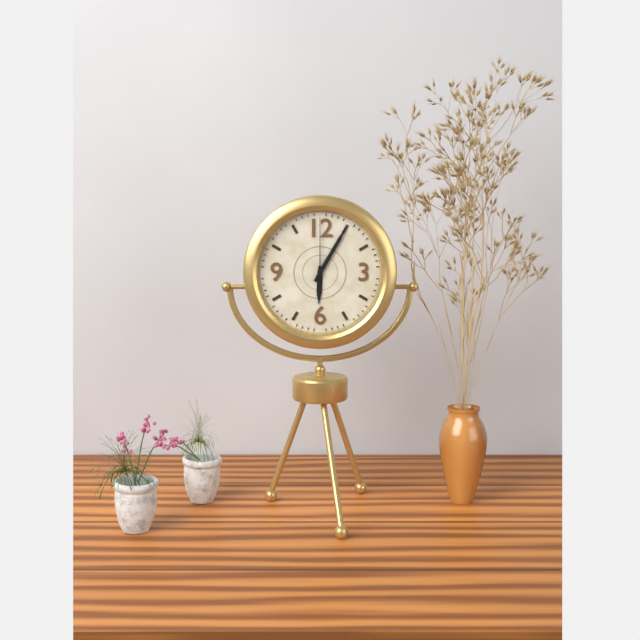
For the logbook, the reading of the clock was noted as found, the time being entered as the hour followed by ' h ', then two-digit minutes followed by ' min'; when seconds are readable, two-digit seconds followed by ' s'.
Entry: 6 h 05 min 00 s
